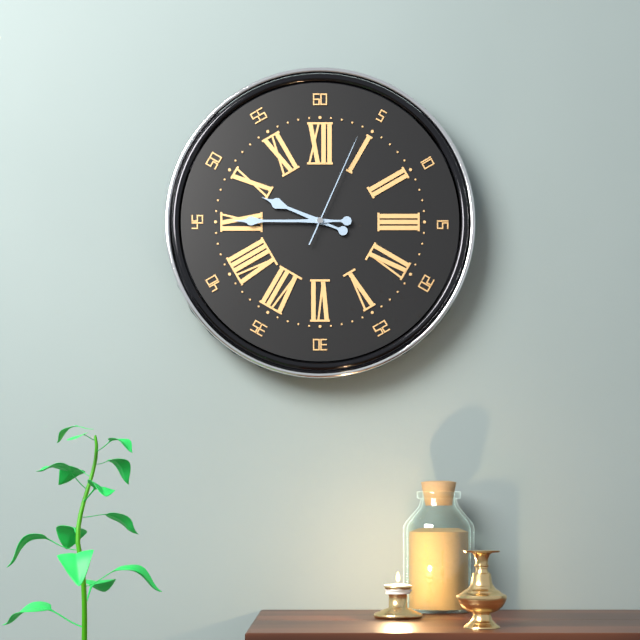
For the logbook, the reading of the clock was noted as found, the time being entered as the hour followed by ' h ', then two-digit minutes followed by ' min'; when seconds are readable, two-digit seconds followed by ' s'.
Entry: 9 h 45 min 04 s
